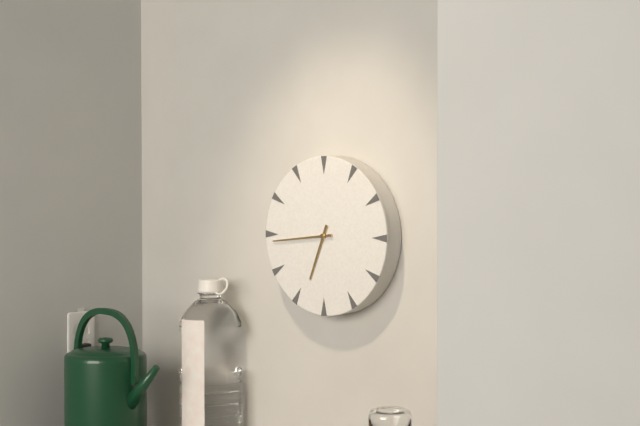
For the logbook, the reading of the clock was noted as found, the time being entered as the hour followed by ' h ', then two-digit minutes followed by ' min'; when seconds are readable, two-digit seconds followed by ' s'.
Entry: 6 h 44 min
